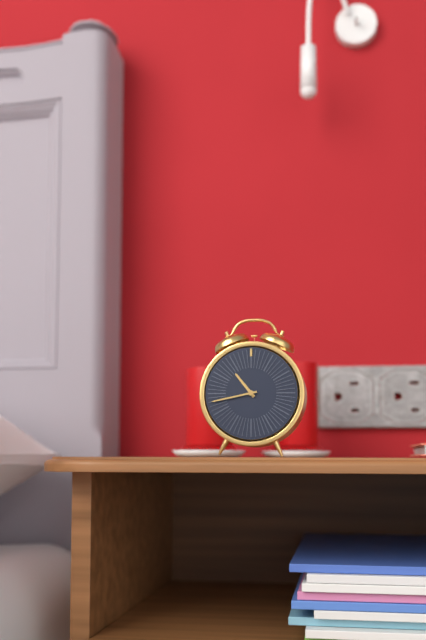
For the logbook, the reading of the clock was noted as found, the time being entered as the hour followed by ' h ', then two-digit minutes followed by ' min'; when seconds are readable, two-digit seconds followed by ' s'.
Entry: 10 h 43 min
